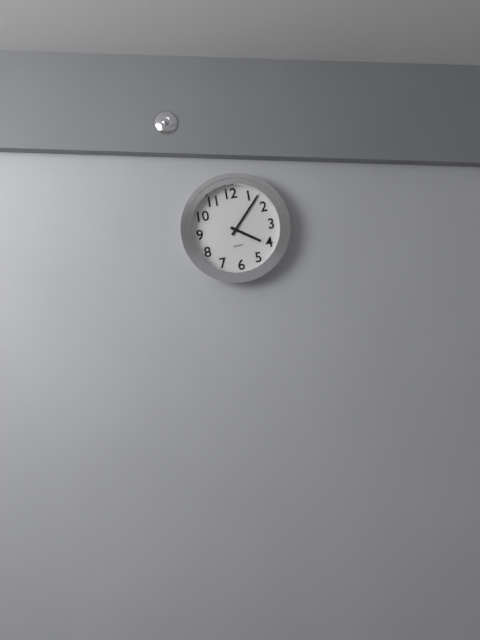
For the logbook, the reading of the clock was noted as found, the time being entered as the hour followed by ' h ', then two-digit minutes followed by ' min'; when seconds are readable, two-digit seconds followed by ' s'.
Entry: 4 h 07 min
